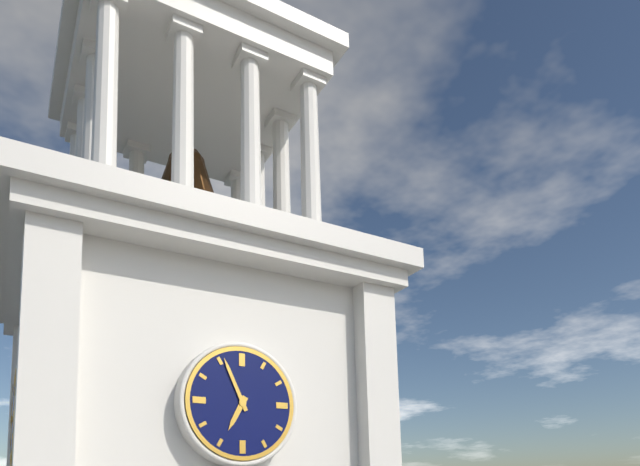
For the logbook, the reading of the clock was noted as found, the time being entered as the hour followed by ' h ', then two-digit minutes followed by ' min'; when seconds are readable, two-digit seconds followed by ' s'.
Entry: 6 h 56 min
